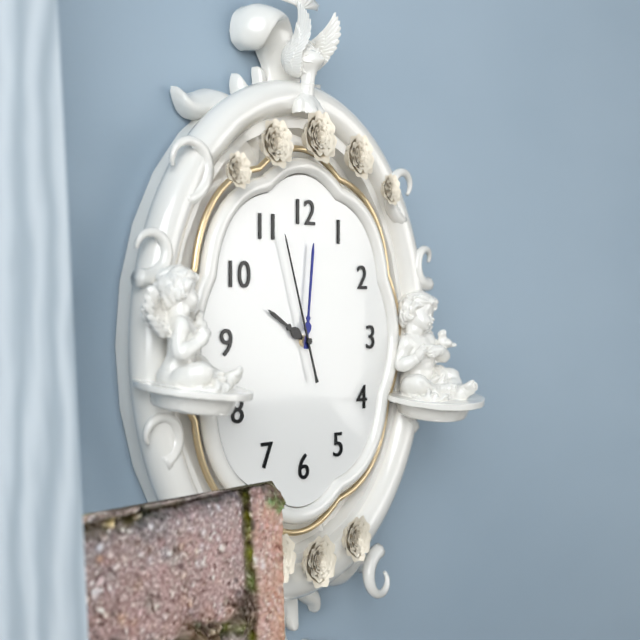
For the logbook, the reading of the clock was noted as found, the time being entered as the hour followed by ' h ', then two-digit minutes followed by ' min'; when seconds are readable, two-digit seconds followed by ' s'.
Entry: 10 h 01 min 57 s
